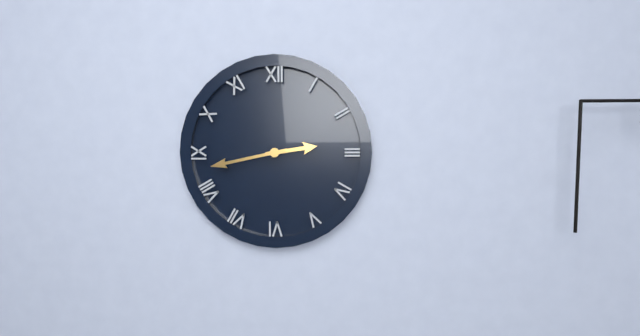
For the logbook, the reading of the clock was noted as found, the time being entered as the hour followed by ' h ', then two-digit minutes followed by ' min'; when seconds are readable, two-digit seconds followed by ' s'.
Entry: 2 h 43 min
